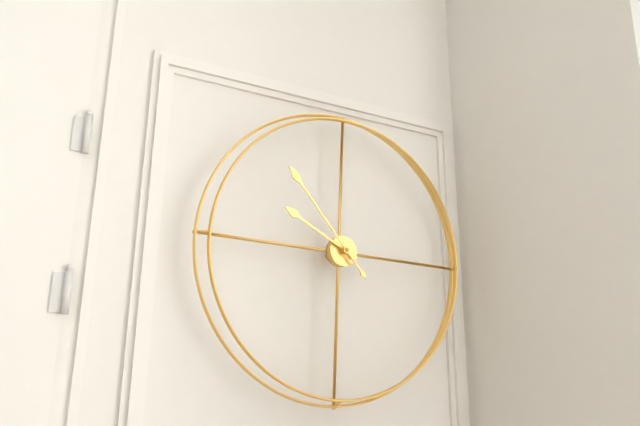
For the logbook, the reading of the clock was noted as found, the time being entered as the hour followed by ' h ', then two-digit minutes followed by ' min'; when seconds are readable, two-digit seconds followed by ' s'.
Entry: 9 h 53 min
